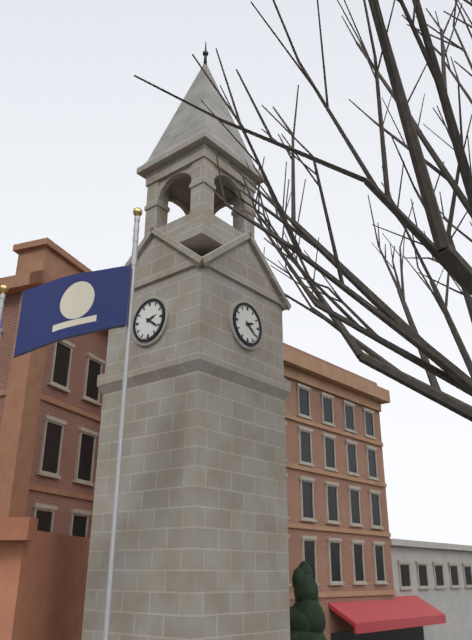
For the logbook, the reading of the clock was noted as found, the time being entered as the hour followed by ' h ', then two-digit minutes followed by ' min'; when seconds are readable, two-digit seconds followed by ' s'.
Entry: 2 h 21 min
